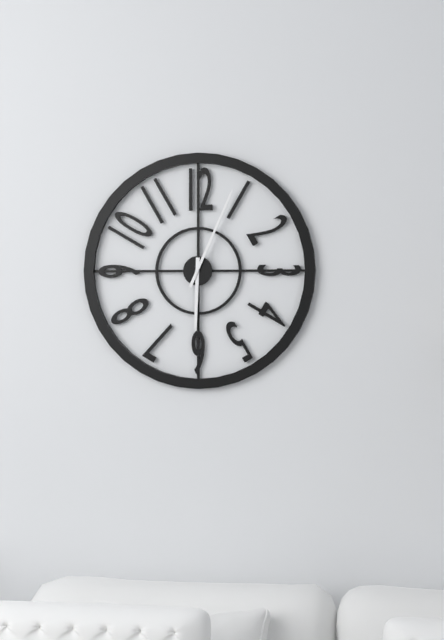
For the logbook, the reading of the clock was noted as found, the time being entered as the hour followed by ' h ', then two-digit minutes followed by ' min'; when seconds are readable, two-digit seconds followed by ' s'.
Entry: 6 h 04 min
